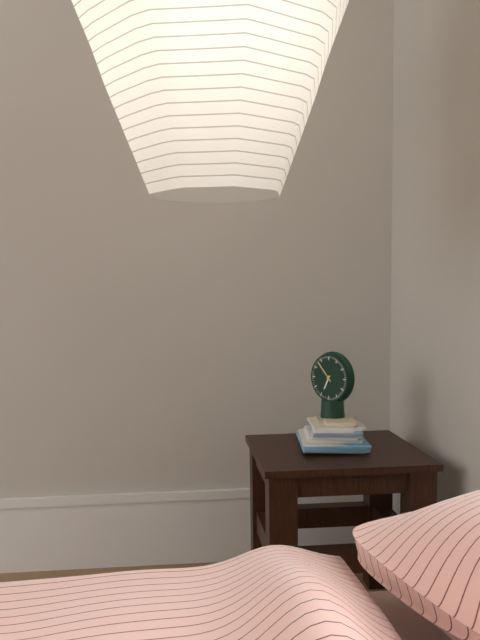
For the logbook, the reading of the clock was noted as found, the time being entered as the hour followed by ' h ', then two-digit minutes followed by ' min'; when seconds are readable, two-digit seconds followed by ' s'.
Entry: 6 h 53 min
